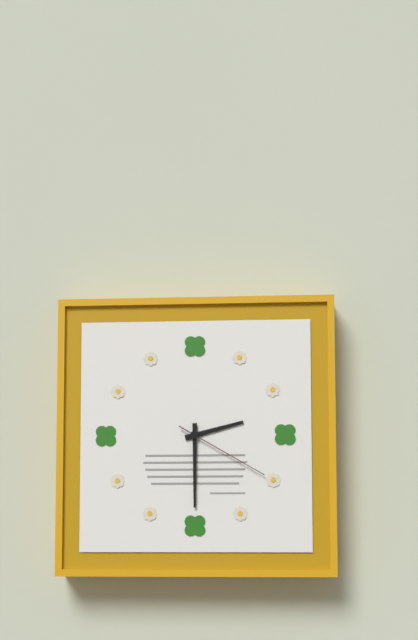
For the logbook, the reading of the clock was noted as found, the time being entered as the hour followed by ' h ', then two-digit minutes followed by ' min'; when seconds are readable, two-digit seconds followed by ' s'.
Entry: 2 h 30 min 20 s
